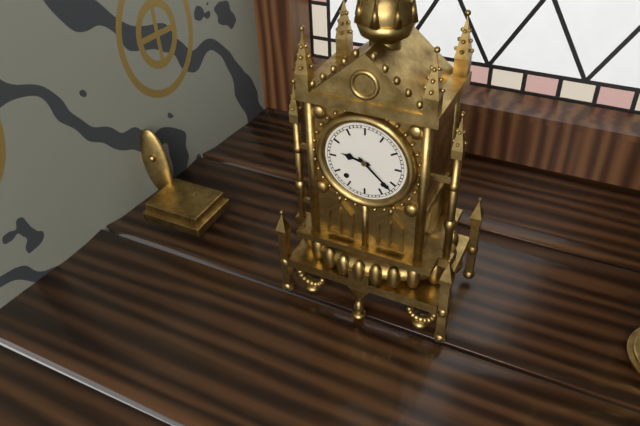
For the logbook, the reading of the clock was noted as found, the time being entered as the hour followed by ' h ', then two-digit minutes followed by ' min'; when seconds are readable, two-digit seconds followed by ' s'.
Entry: 9 h 22 min
